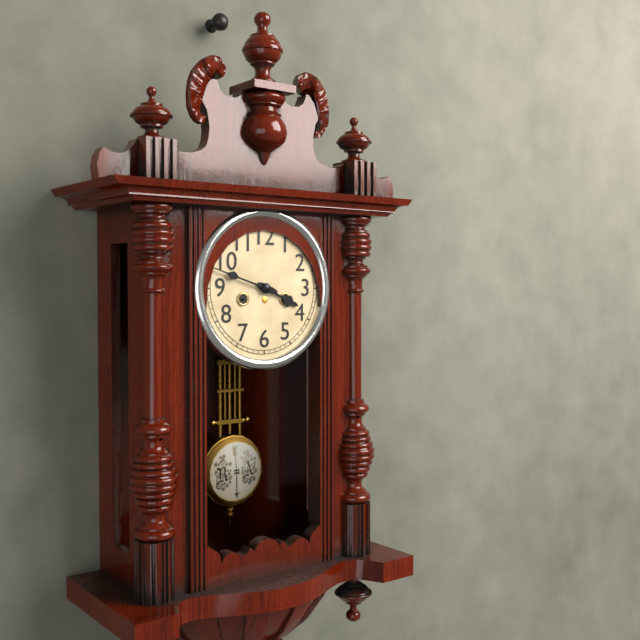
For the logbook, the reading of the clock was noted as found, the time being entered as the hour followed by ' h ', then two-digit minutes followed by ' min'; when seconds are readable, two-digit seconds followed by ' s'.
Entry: 3 h 48 min
